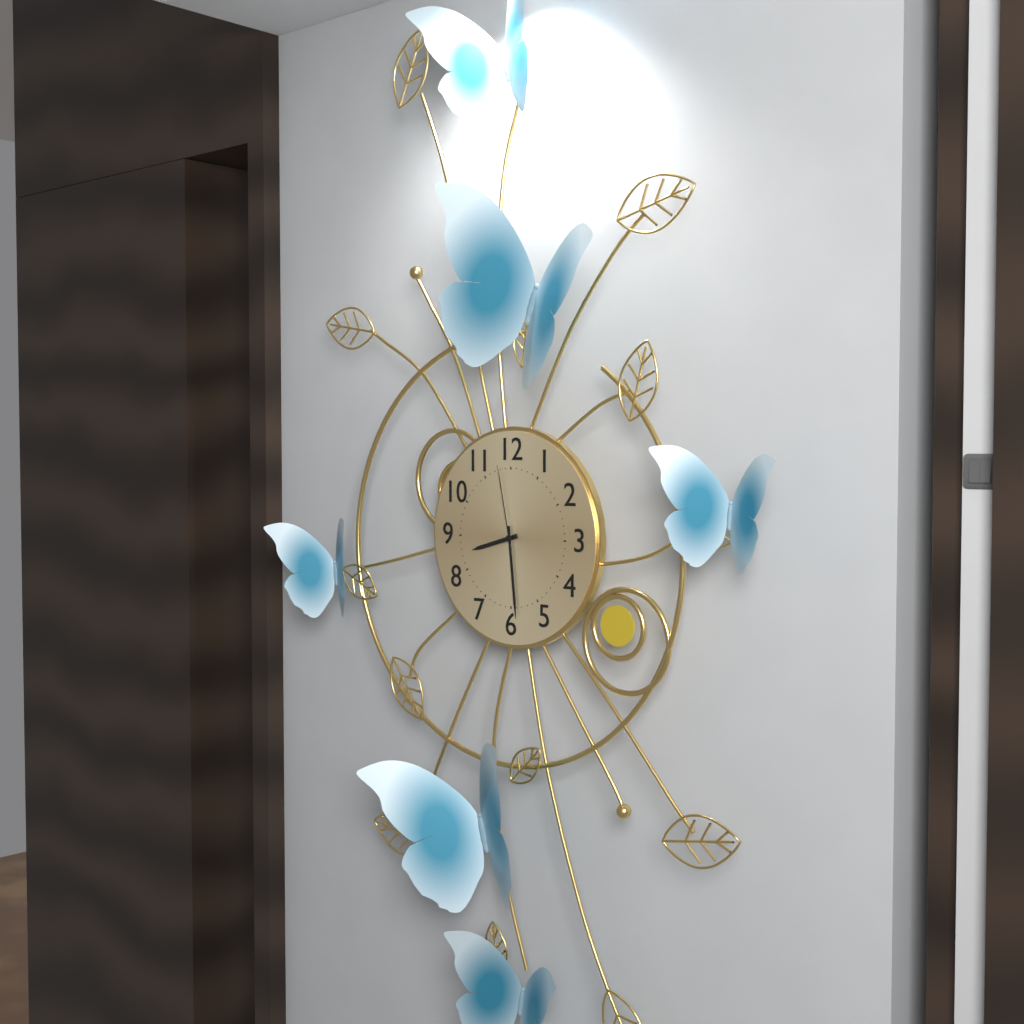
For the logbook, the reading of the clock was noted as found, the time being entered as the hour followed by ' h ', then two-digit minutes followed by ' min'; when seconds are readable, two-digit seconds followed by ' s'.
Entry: 8 h 29 min 58 s
